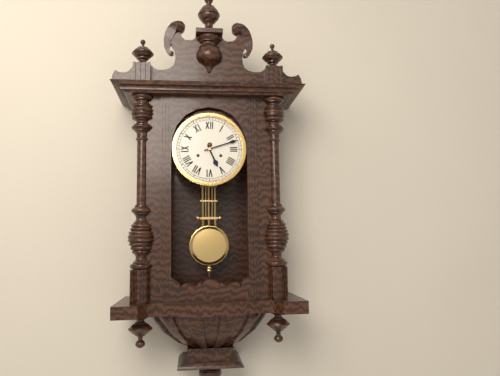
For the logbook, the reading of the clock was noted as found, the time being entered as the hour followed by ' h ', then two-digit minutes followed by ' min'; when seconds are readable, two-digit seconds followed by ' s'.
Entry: 5 h 12 min
